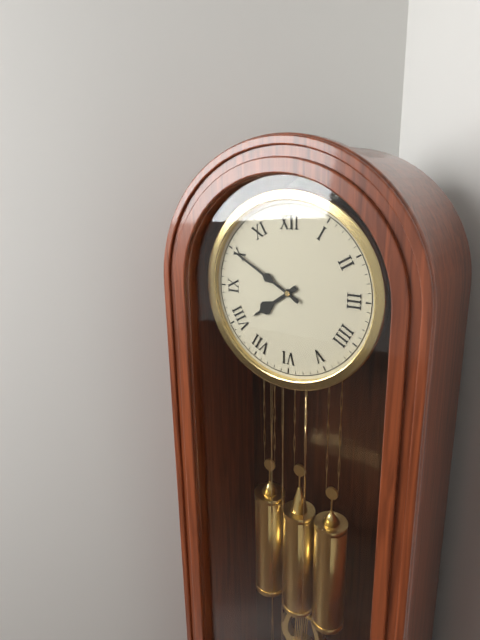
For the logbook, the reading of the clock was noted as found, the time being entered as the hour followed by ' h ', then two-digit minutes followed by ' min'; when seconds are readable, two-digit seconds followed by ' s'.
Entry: 7 h 50 min
